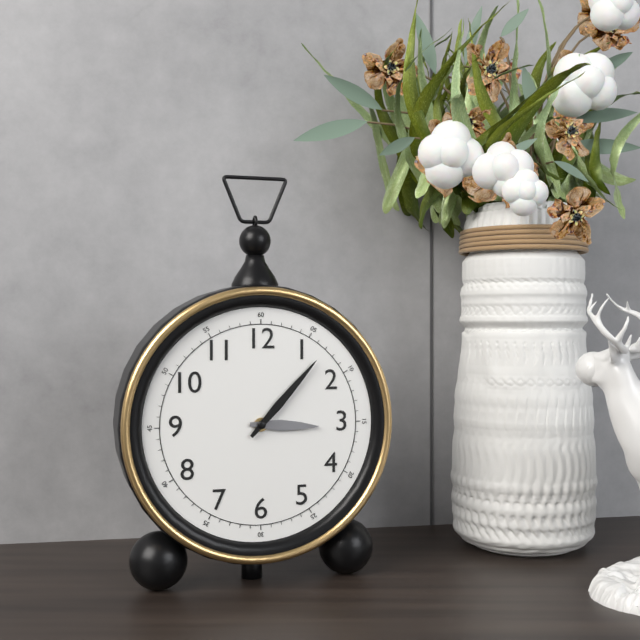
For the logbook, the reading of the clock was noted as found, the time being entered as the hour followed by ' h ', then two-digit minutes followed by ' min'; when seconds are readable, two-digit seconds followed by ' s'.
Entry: 3 h 07 min
